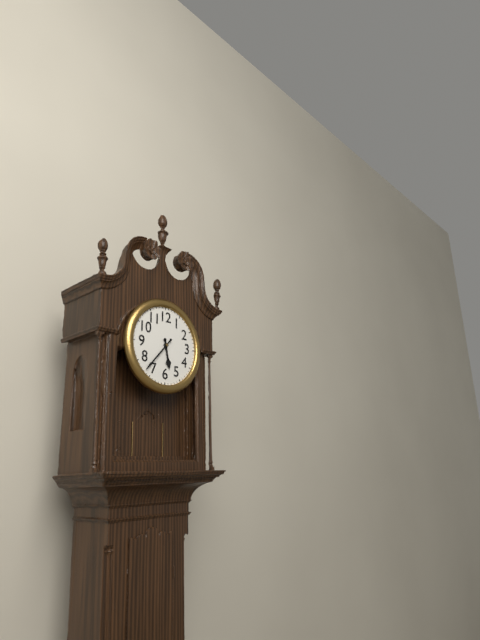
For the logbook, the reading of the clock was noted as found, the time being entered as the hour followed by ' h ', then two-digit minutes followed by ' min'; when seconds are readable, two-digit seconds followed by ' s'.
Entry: 5 h 37 min
